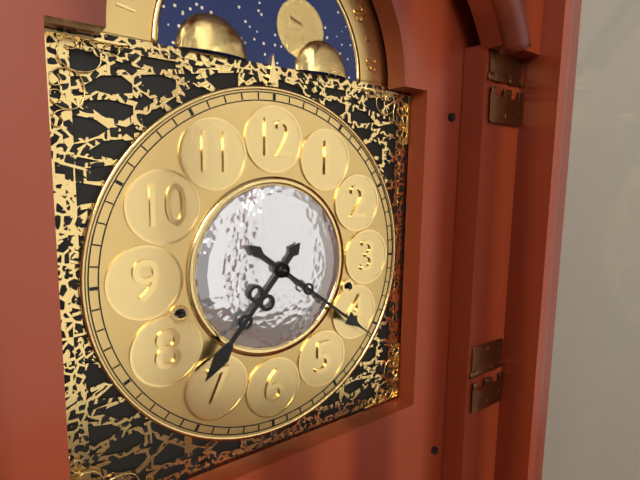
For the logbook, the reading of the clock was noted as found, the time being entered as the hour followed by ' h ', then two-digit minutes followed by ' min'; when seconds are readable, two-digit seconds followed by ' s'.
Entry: 7 h 21 min
